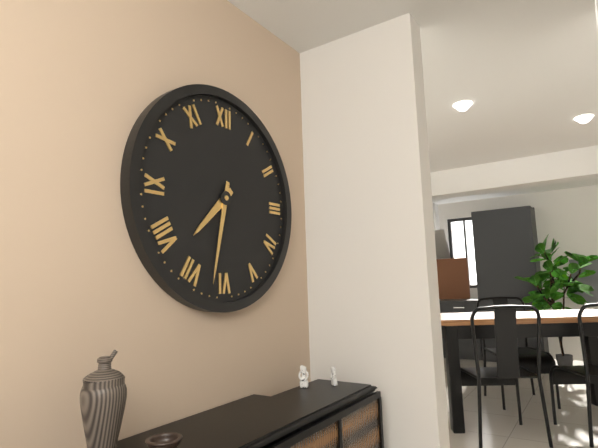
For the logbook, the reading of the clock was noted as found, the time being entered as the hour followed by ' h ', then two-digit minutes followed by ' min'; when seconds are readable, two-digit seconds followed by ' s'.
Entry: 7 h 32 min
